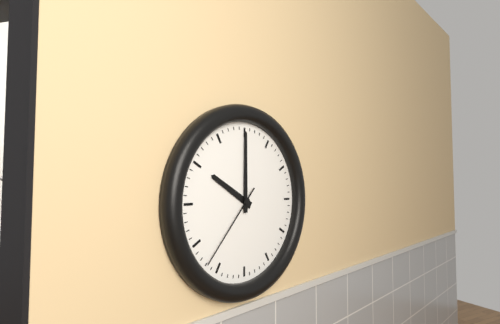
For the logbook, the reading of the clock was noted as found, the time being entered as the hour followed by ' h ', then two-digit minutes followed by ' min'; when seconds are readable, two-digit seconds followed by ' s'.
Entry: 10 h 00 min 37 s
